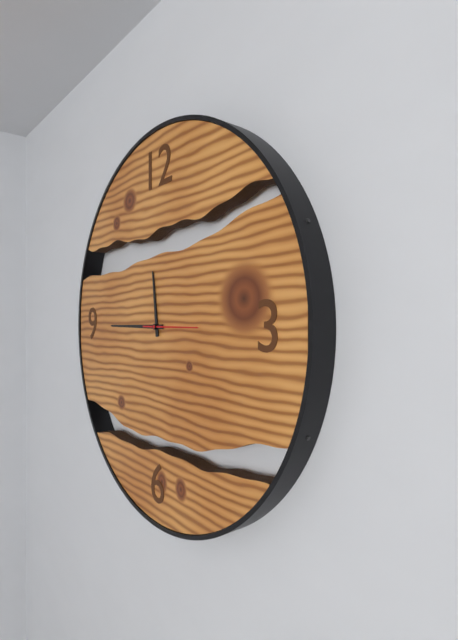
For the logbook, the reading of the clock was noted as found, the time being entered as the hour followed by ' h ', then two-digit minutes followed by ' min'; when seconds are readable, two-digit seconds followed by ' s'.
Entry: 11 h 45 min 15 s
